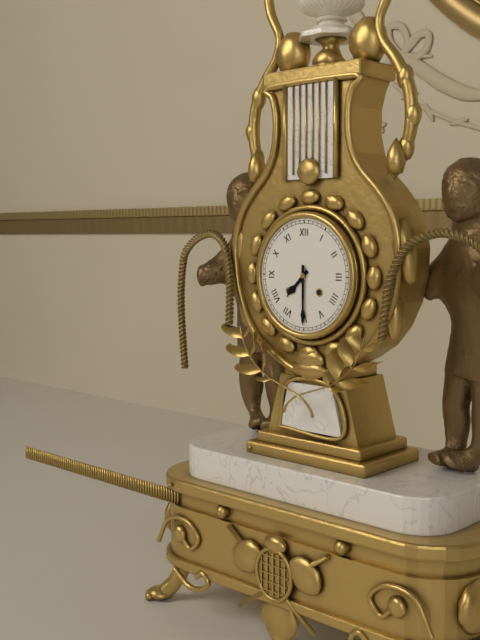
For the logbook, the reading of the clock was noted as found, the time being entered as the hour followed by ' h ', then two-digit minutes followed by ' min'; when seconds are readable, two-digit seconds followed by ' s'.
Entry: 7 h 30 min
